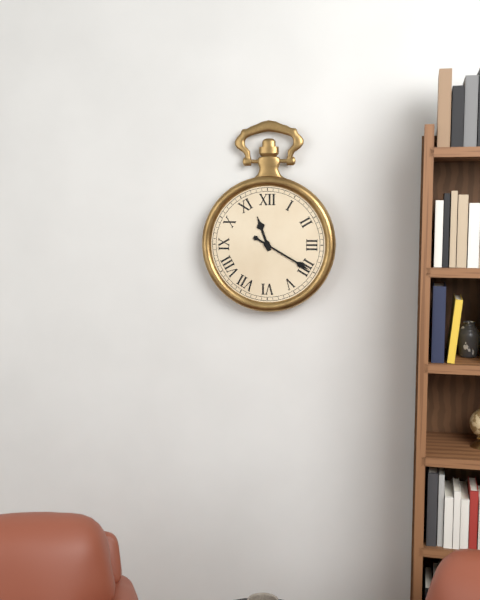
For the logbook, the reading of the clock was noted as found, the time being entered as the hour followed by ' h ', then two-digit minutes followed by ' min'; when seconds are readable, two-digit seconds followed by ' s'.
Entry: 11 h 20 min
